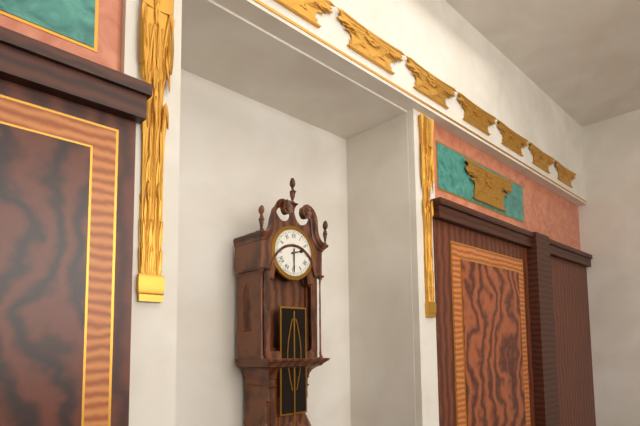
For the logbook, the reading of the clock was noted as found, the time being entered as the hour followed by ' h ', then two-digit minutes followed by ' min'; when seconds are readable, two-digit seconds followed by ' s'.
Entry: 2 h 30 min
